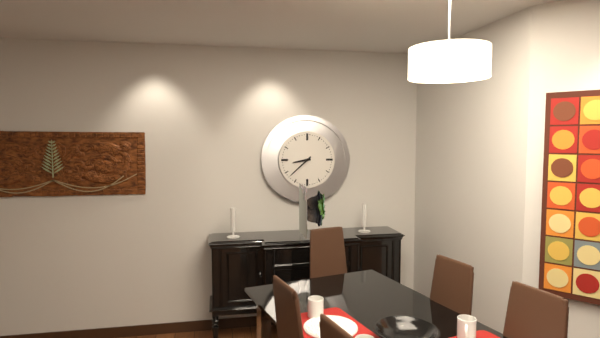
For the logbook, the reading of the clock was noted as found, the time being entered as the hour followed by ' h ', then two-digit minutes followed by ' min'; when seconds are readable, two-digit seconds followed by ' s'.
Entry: 8 h 38 min
